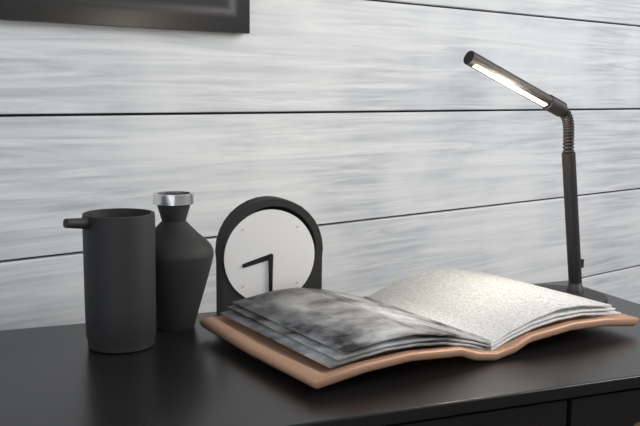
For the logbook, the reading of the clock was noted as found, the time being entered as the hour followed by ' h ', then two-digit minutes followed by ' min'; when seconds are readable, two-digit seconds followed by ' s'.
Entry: 8 h 30 min
